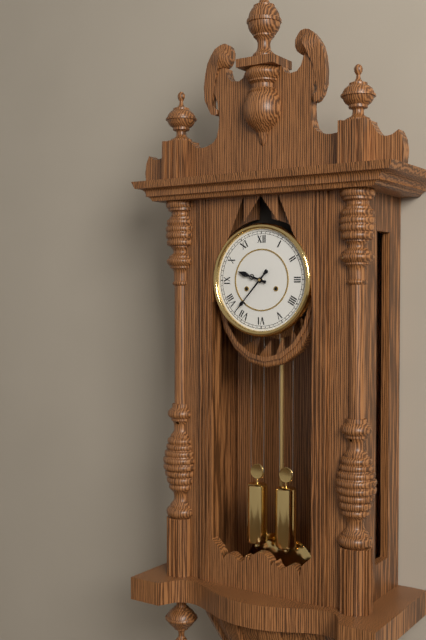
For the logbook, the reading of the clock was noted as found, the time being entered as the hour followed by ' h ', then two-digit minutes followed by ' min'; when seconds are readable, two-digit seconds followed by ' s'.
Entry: 9 h 37 min
